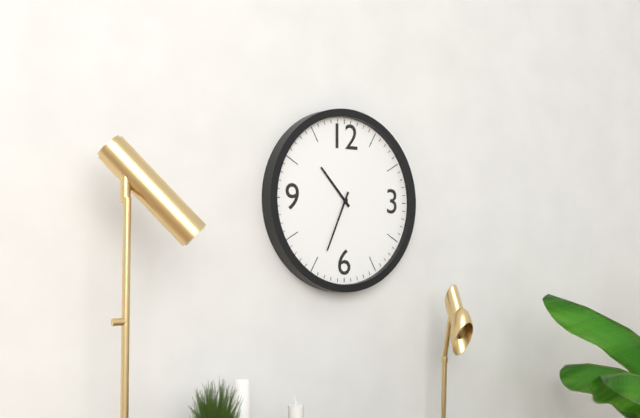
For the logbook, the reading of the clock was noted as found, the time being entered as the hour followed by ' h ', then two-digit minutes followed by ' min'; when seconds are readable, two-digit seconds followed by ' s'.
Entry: 10 h 34 min
